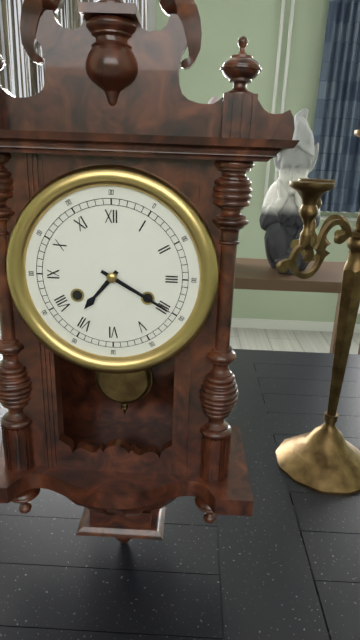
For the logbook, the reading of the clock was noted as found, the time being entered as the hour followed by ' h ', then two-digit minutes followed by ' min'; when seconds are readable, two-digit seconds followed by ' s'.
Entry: 7 h 20 min
